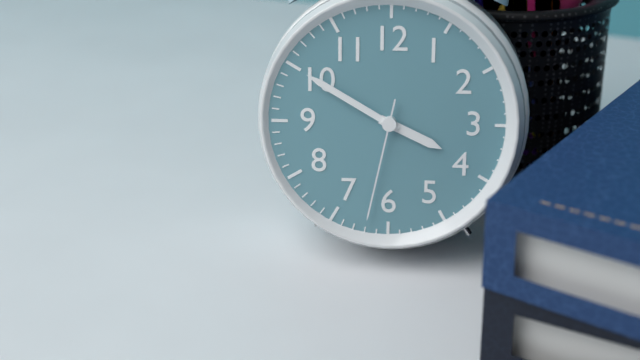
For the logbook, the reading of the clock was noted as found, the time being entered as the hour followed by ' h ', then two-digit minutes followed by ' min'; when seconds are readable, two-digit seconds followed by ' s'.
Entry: 3 h 50 min 32 s
